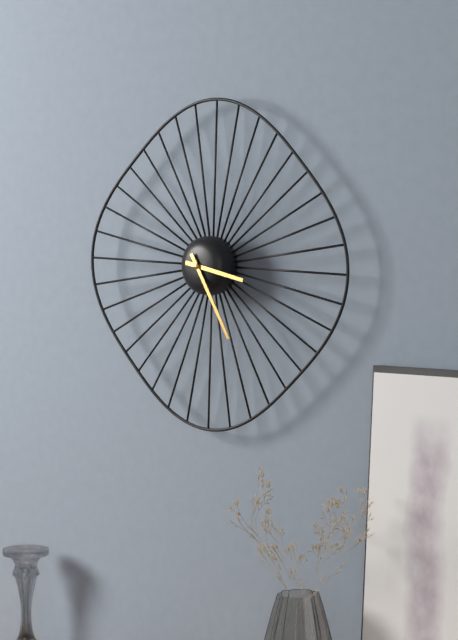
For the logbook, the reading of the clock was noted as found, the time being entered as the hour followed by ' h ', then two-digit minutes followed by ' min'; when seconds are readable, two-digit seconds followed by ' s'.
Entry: 3 h 25 min
